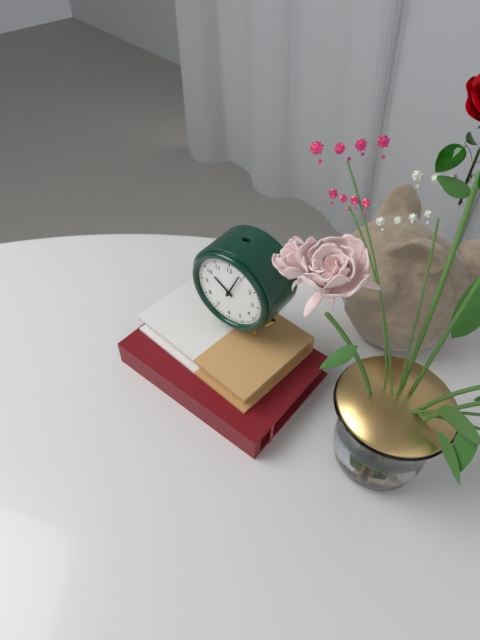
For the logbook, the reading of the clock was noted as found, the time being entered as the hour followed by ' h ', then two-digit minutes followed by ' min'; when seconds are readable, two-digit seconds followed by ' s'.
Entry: 10 h 04 min
